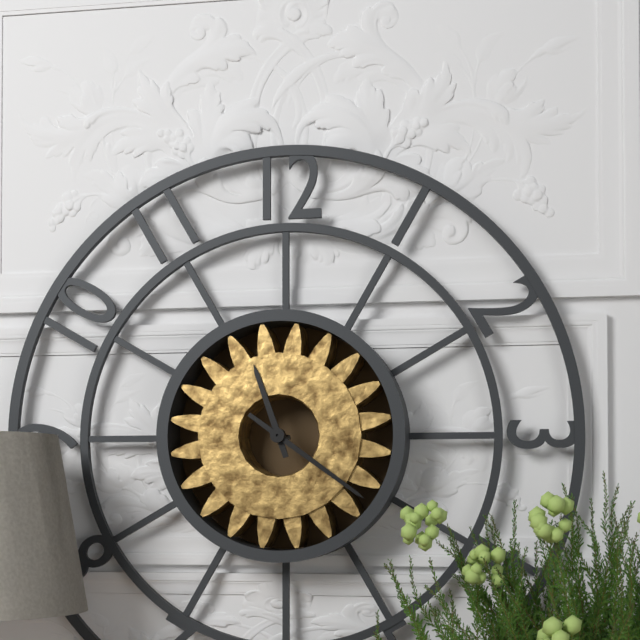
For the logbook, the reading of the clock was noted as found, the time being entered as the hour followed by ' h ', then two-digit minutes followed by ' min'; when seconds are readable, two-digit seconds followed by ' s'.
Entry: 11 h 21 min
